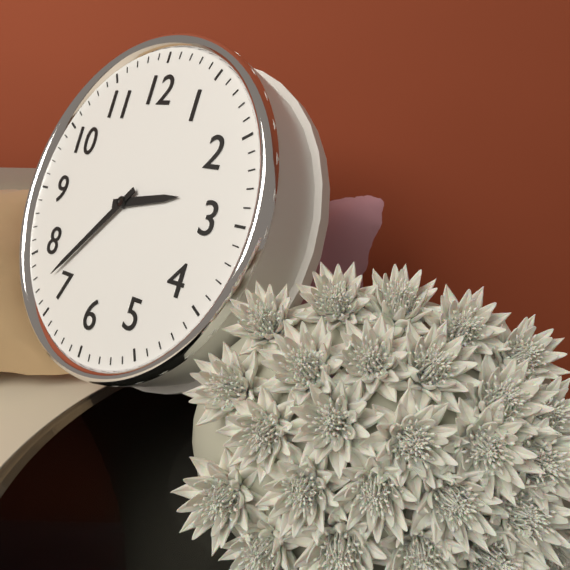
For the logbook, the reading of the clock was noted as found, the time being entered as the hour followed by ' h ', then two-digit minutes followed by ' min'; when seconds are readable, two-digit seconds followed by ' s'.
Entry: 2 h 37 min
